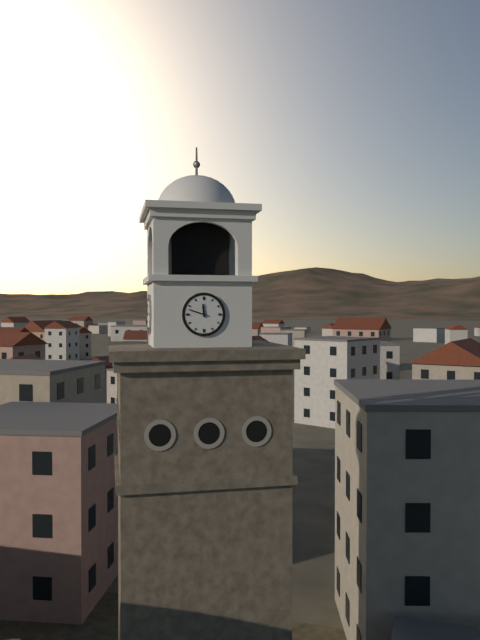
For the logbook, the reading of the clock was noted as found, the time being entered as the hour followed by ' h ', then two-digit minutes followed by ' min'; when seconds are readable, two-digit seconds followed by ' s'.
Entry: 11 h 48 min
